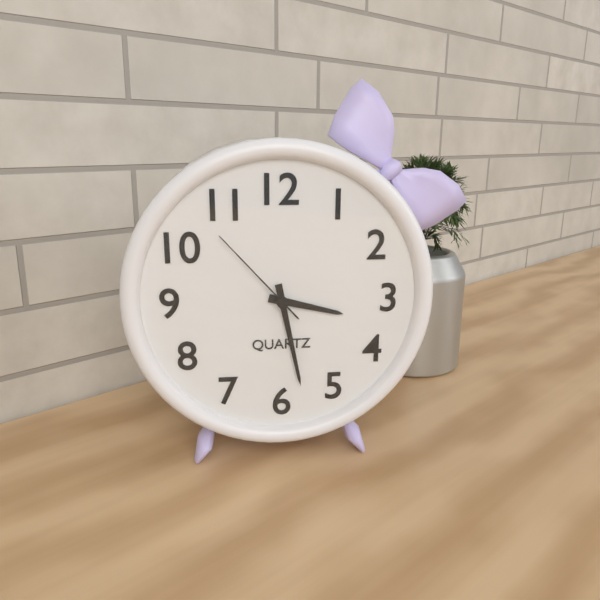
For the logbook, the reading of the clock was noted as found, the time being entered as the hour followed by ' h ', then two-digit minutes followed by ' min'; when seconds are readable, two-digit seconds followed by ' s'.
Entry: 3 h 28 min 53 s
